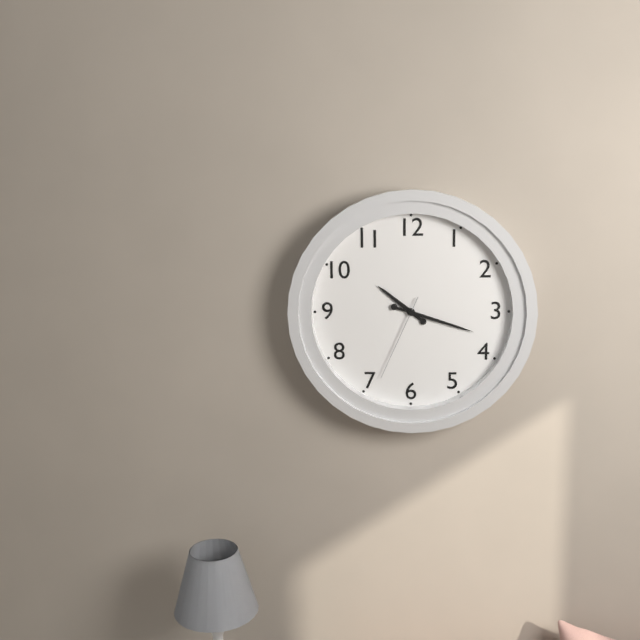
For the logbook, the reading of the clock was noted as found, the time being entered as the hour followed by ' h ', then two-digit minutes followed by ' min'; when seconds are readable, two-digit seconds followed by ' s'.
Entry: 10 h 18 min 34 s
